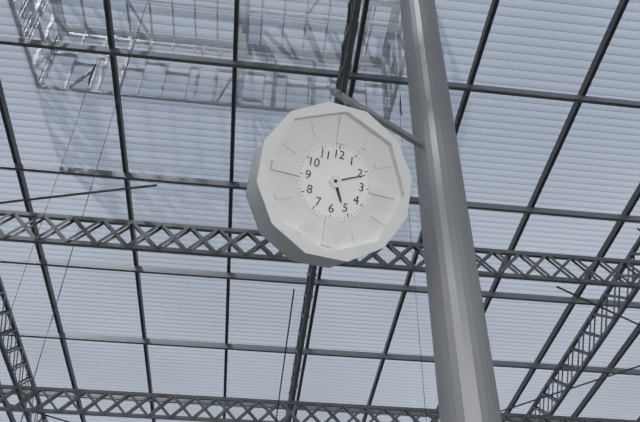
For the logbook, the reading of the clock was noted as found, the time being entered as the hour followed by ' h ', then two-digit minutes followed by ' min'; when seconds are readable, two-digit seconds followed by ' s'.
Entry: 5 h 11 min
